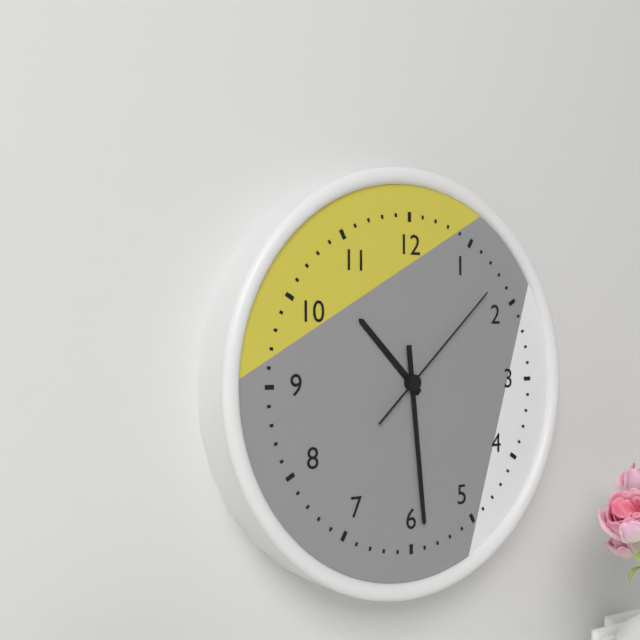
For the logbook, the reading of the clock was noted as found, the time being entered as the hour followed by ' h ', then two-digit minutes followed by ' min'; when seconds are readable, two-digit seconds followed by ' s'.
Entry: 10 h 29 min 08 s
